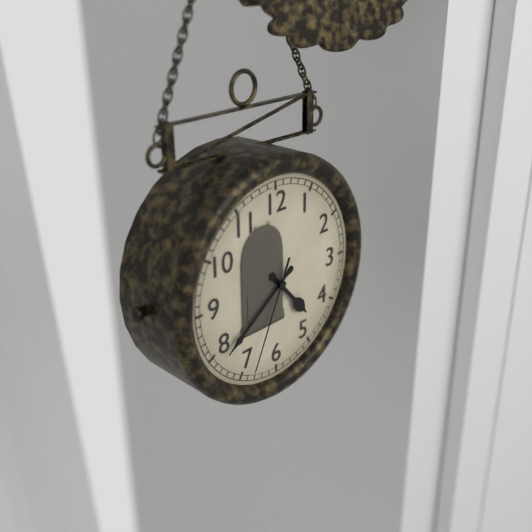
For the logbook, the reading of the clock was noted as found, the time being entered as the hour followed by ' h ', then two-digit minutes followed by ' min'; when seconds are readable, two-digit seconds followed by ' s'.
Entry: 4 h 39 min 34 s
